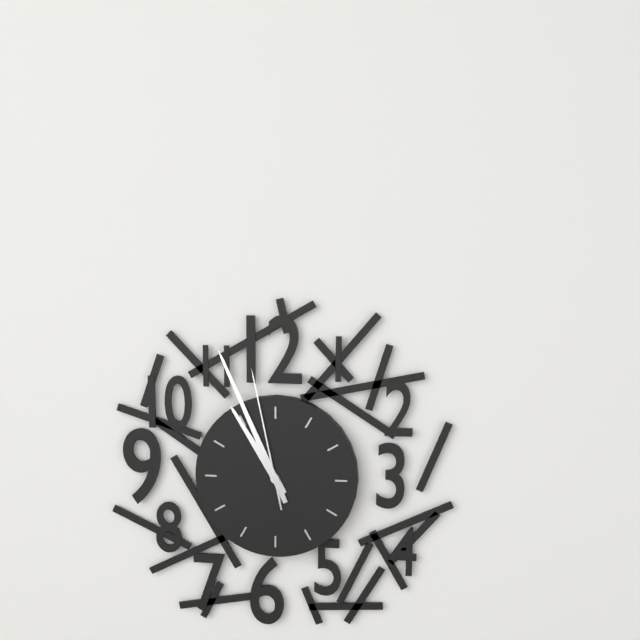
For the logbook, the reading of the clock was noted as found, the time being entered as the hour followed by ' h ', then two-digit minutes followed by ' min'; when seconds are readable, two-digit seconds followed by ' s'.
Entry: 10 h 56 min 58 s
